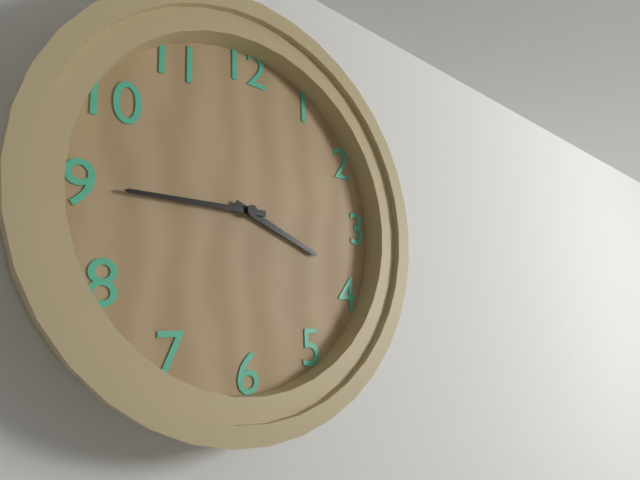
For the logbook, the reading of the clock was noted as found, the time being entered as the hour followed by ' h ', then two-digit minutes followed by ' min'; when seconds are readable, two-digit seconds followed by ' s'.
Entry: 3 h 45 min
